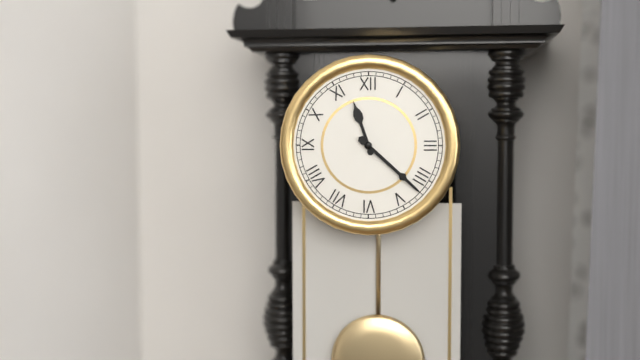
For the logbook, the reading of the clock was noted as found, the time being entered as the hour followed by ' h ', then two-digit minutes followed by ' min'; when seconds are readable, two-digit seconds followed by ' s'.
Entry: 11 h 22 min
